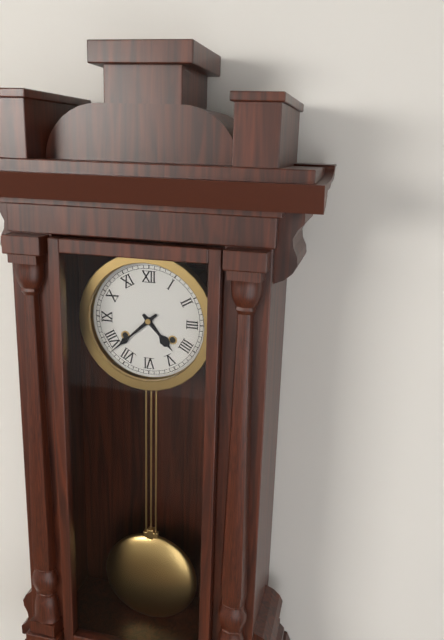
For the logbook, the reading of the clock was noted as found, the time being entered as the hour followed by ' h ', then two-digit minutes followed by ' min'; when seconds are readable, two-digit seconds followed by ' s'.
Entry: 4 h 38 min
